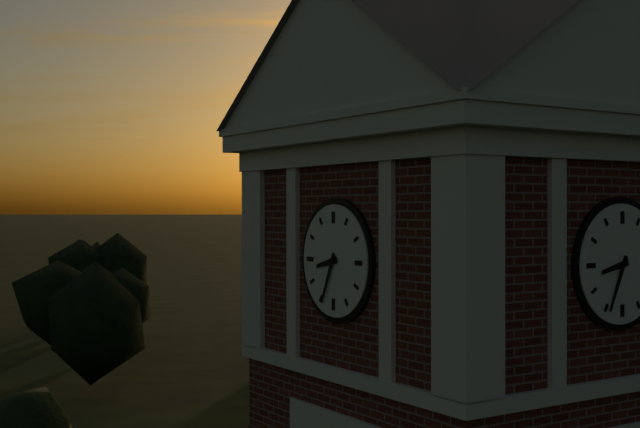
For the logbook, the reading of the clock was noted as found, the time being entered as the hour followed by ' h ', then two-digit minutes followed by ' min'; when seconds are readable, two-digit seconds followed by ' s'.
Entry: 8 h 34 min
